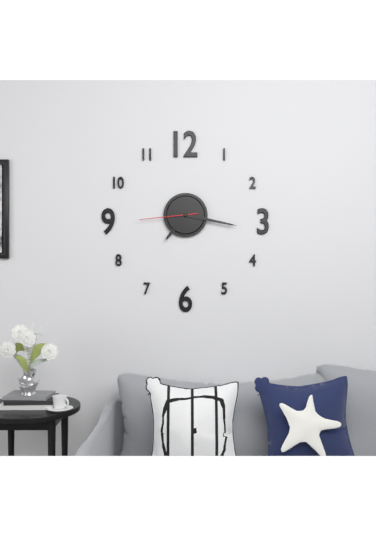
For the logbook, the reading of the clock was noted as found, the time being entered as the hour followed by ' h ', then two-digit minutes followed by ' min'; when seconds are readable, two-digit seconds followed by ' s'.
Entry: 7 h 17 min 44 s
